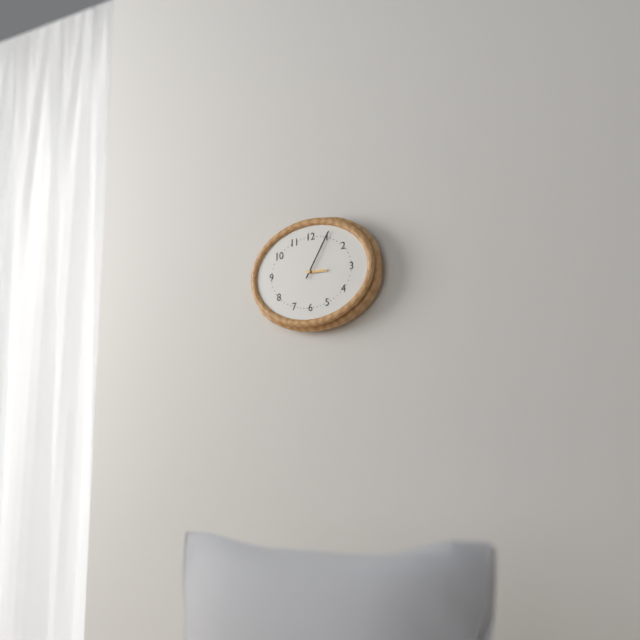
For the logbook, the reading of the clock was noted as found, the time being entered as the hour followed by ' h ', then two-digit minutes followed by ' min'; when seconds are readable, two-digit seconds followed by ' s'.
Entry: 3 h 05 min
